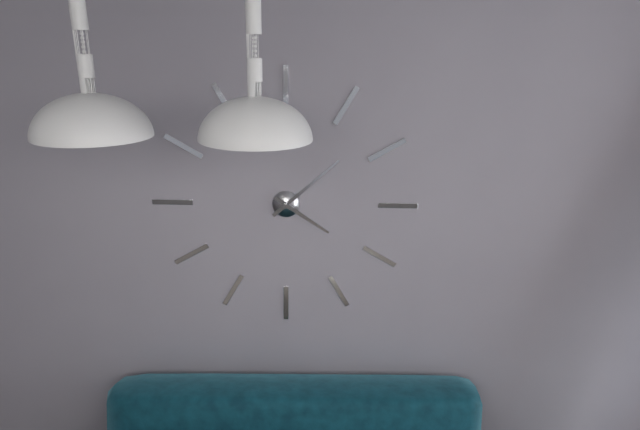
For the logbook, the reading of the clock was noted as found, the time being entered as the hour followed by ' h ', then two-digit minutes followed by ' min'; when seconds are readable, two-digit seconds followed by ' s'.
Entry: 4 h 08 min
